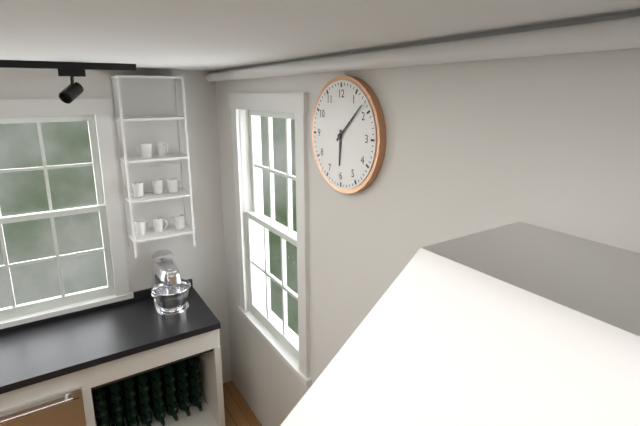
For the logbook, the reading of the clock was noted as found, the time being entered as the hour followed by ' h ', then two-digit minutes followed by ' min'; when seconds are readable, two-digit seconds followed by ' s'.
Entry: 6 h 08 min
